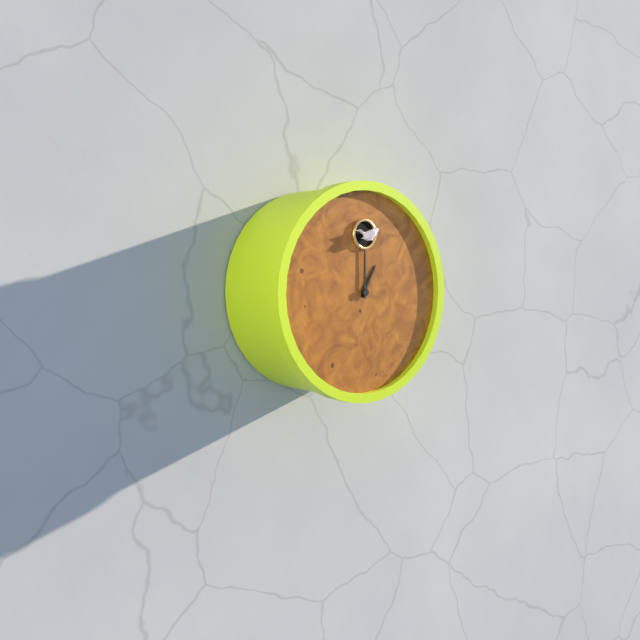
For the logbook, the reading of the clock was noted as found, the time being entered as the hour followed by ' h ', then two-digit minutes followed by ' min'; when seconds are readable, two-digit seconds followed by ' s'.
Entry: 1 h 00 min
